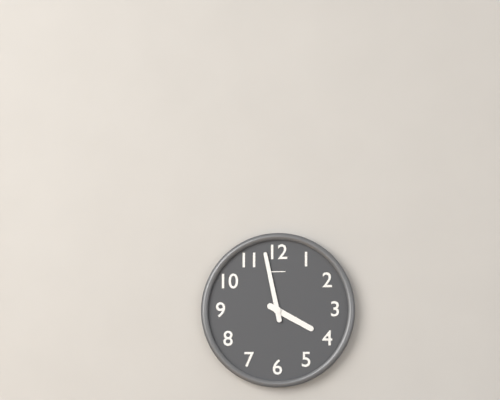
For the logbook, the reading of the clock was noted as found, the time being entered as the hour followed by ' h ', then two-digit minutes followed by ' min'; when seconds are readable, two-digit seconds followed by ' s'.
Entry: 3 h 58 min
